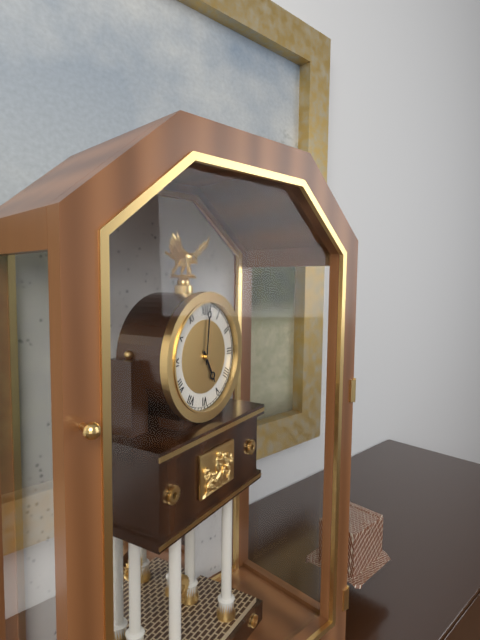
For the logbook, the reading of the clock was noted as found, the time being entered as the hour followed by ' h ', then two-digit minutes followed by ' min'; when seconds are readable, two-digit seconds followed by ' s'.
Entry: 5 h 01 min
